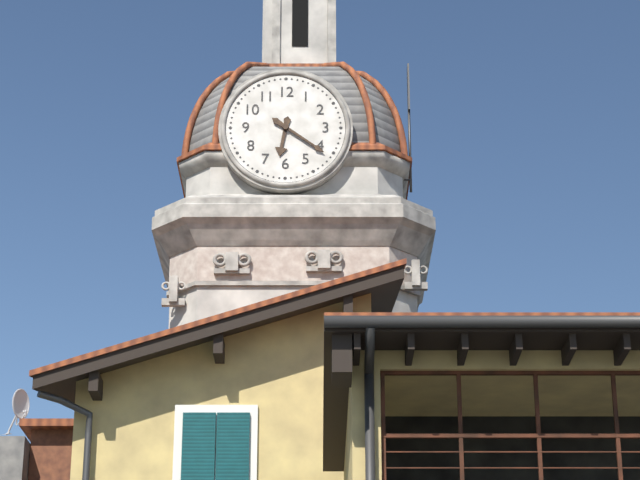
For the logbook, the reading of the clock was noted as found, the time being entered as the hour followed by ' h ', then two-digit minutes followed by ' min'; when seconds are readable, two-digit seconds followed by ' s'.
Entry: 6 h 21 min
